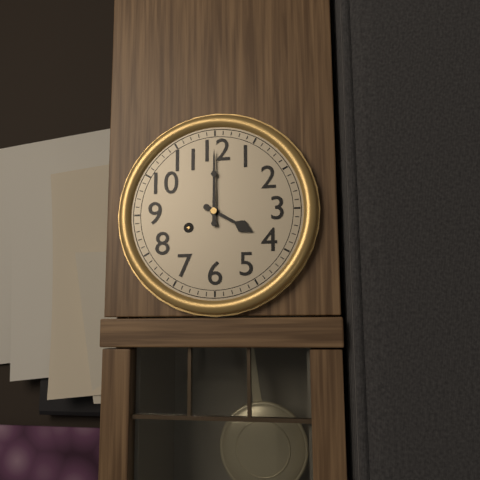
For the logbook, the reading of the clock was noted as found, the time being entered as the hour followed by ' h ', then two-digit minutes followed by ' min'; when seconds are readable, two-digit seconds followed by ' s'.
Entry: 4 h 00 min
